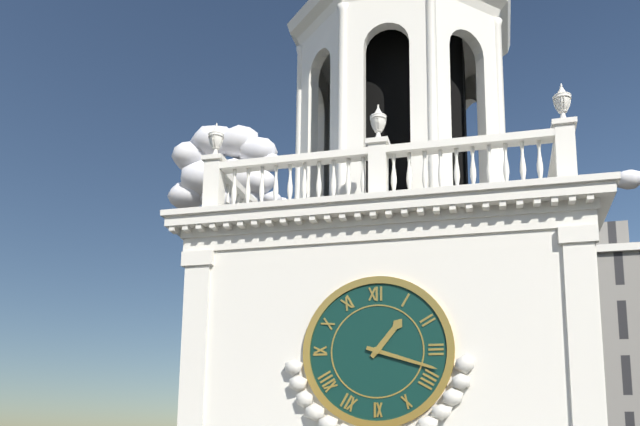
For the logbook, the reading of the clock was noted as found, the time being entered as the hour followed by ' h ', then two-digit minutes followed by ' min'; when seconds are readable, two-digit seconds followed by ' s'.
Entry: 1 h 18 min
